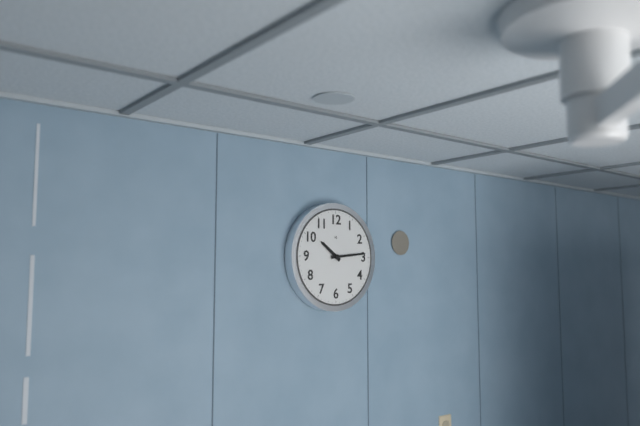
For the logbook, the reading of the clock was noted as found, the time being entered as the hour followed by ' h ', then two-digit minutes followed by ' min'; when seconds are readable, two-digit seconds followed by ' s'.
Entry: 10 h 14 min
